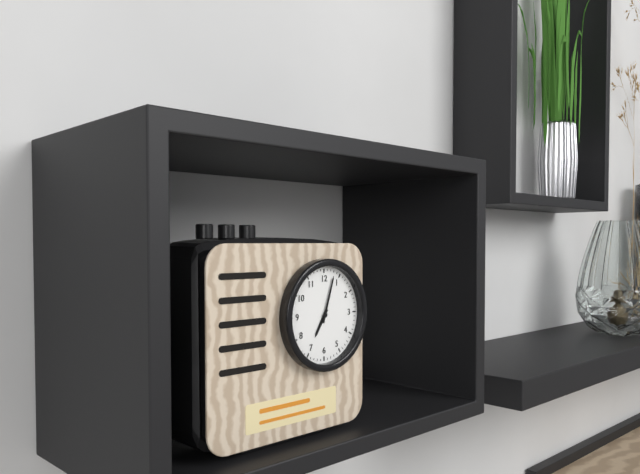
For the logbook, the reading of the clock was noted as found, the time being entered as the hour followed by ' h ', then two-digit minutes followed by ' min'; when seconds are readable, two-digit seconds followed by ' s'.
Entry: 7 h 03 min
